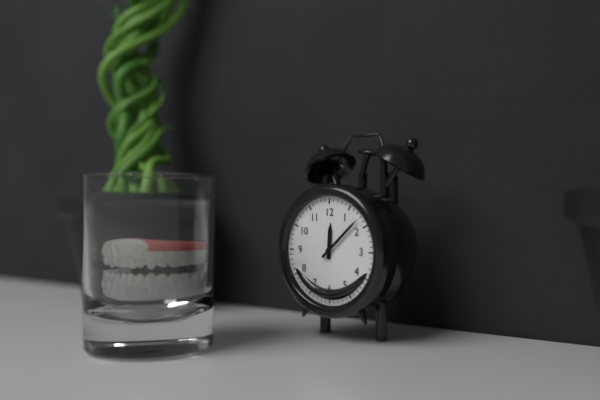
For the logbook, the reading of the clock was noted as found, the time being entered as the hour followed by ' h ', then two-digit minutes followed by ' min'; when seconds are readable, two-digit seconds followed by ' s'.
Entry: 12 h 08 min
